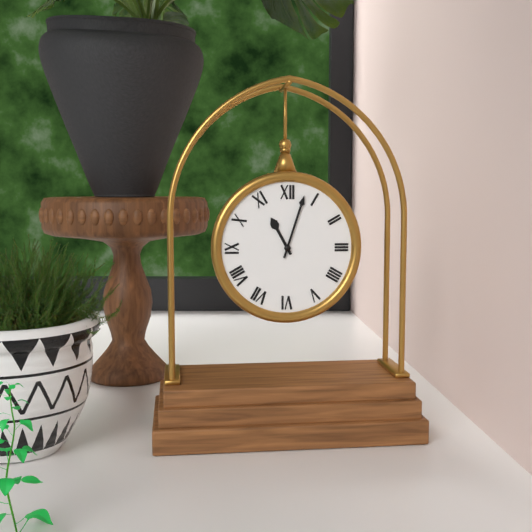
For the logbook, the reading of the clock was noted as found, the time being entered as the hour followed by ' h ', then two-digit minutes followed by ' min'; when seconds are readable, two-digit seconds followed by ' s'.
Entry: 11 h 03 min
